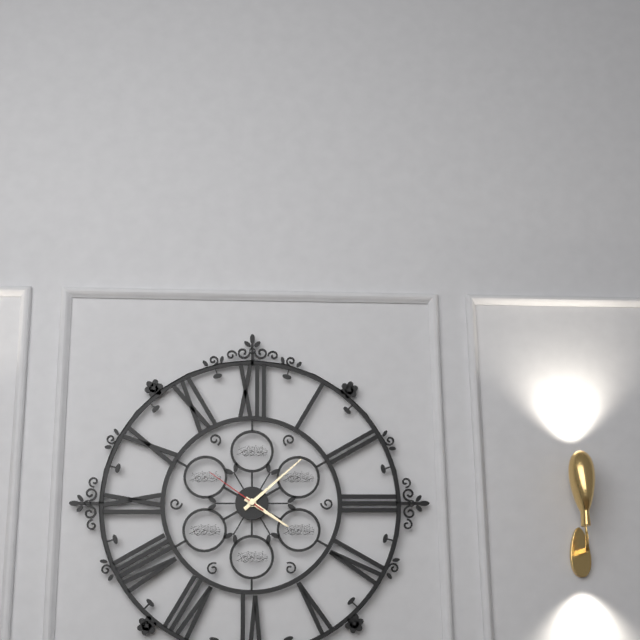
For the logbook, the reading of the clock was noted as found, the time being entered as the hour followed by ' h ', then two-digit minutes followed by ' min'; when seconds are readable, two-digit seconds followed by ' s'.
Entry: 4 h 08 min 51 s
